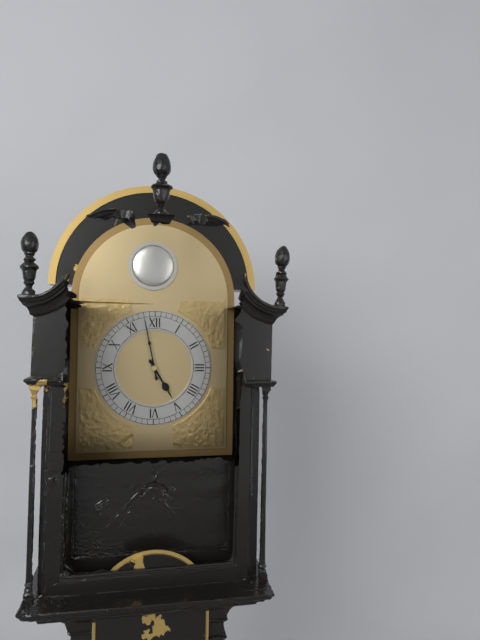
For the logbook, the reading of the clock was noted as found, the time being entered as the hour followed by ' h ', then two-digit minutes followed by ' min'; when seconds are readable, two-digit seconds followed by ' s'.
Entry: 4 h 58 min
